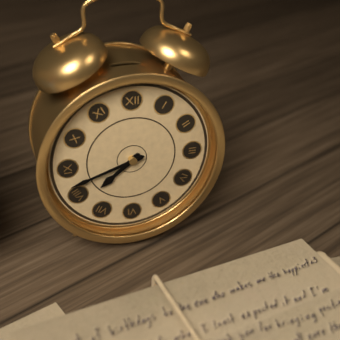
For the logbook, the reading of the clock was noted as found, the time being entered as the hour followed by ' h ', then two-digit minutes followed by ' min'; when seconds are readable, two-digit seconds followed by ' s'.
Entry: 7 h 42 min
